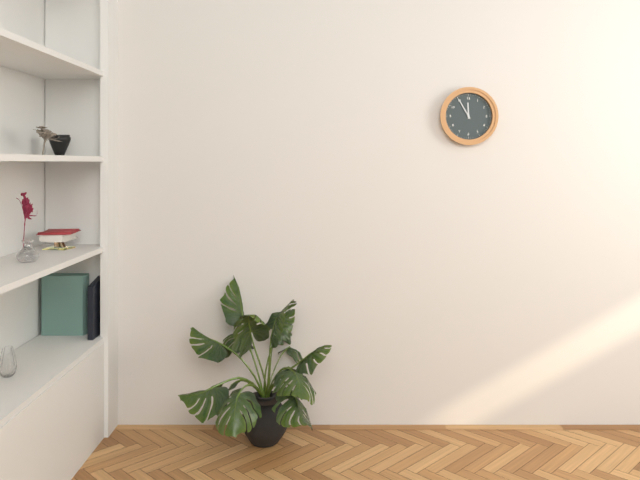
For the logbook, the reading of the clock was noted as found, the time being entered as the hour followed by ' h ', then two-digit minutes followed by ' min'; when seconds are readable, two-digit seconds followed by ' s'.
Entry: 11 h 55 min
